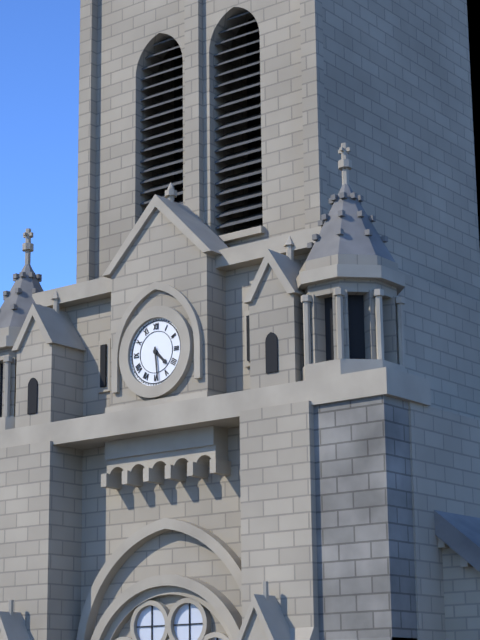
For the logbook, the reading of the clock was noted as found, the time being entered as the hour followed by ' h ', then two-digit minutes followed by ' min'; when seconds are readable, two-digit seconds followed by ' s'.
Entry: 4 h 29 min
